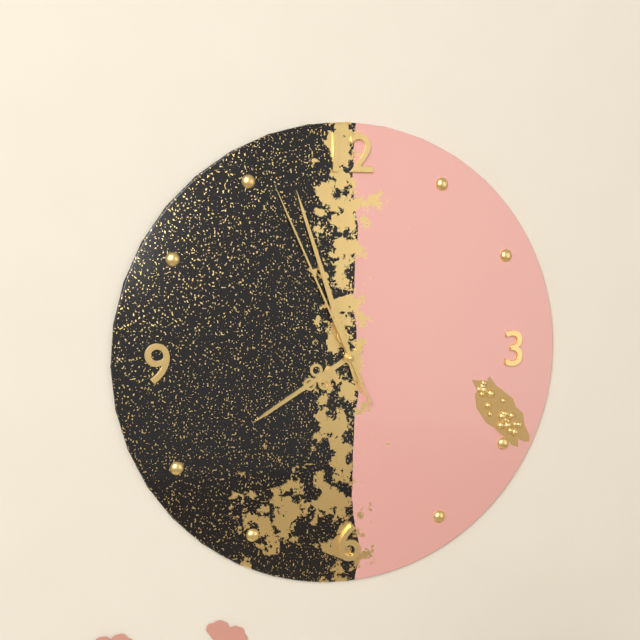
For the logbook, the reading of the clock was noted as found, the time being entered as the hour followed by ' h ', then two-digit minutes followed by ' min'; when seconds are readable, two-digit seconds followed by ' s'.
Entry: 7 h 57 min 56 s
